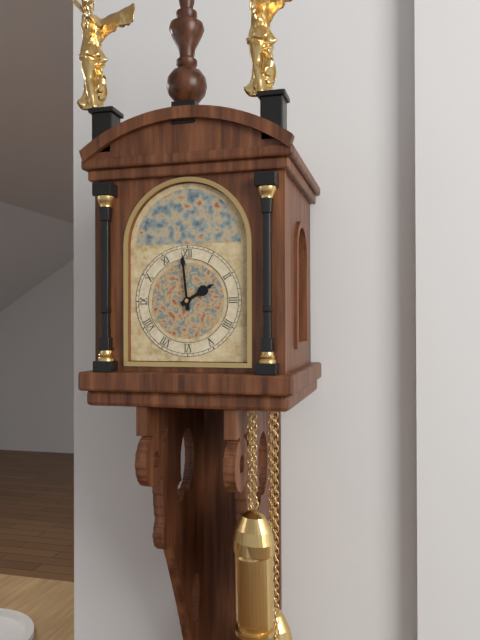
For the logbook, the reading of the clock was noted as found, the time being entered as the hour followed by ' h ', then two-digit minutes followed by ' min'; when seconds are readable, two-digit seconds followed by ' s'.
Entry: 1 h 59 min
